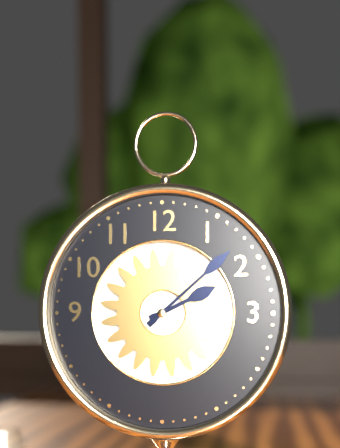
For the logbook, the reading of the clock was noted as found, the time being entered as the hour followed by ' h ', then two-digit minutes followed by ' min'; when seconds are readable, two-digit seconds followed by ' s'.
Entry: 2 h 08 min
